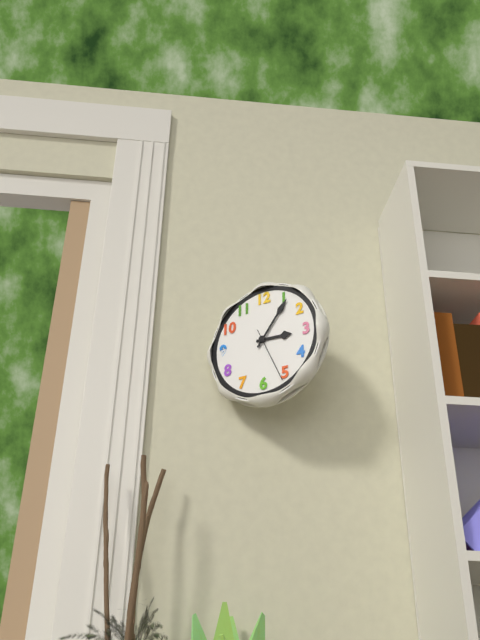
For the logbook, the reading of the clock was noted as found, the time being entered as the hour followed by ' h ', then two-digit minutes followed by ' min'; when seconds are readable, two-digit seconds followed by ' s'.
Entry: 3 h 06 min 26 s
